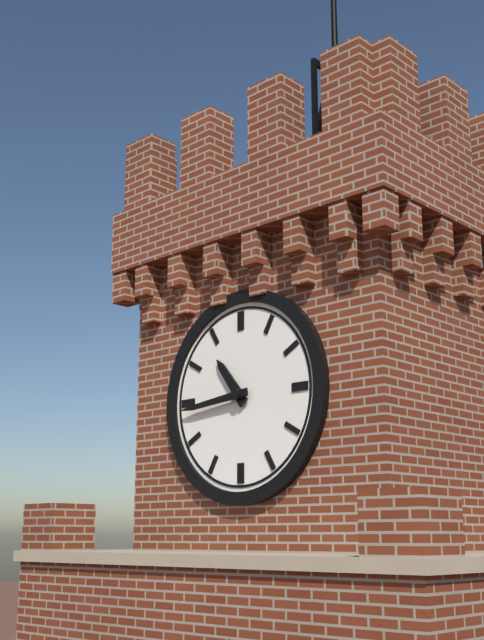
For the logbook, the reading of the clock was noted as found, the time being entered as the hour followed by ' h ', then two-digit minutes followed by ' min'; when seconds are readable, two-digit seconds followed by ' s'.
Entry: 10 h 44 min
